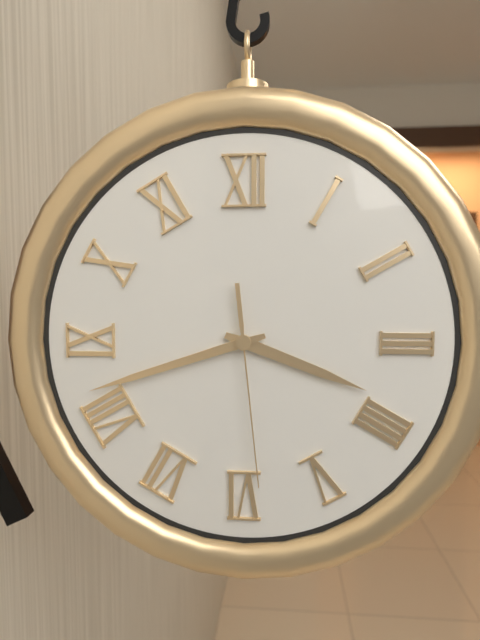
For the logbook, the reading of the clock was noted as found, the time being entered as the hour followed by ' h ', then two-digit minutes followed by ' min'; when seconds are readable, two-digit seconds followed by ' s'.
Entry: 3 h 42 min 29 s
